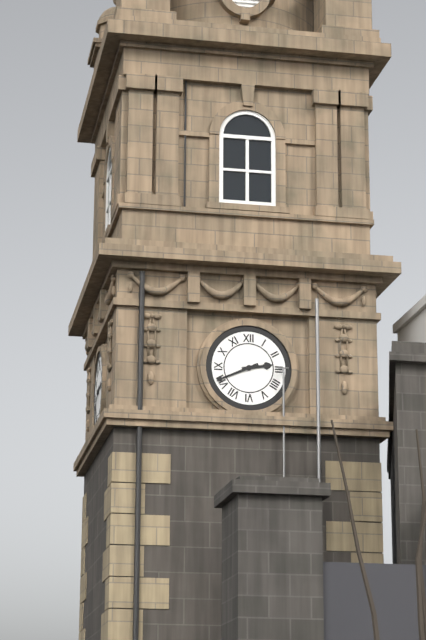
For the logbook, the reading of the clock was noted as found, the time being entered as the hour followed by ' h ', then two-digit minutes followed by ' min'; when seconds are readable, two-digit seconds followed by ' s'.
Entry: 2 h 41 min
